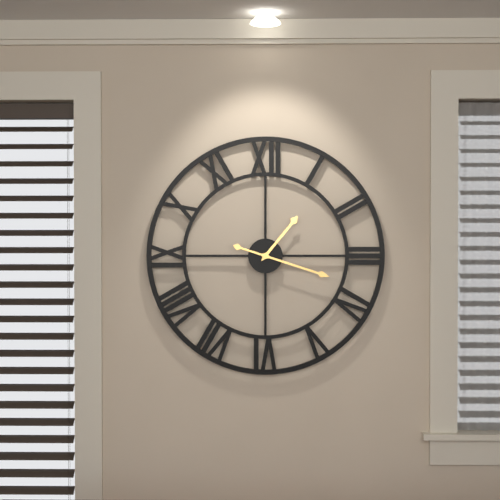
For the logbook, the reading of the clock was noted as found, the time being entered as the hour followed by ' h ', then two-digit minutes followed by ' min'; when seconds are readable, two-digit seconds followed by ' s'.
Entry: 1 h 18 min
